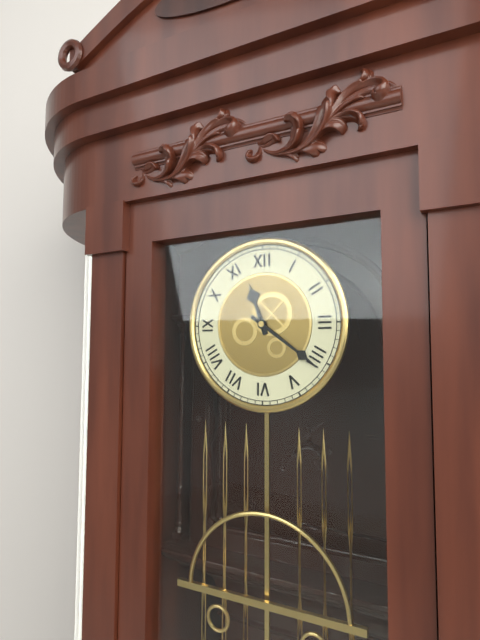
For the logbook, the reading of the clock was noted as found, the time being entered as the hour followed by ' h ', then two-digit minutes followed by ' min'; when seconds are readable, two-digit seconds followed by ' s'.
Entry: 11 h 21 min
